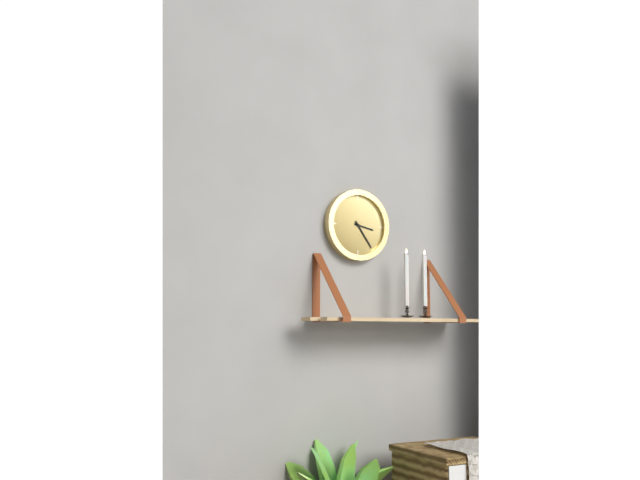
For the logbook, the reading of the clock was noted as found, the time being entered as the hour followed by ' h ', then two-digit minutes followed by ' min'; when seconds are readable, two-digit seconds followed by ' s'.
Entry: 3 h 24 min
